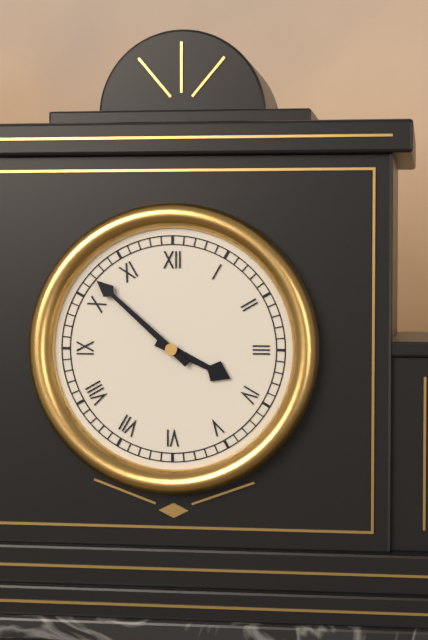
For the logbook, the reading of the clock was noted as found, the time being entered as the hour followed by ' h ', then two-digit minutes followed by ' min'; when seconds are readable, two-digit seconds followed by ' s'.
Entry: 3 h 52 min
